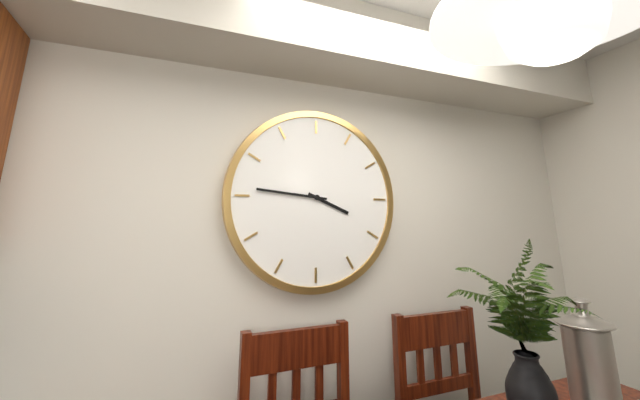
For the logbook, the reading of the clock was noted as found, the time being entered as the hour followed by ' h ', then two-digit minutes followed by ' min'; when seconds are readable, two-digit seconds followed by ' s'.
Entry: 3 h 46 min
